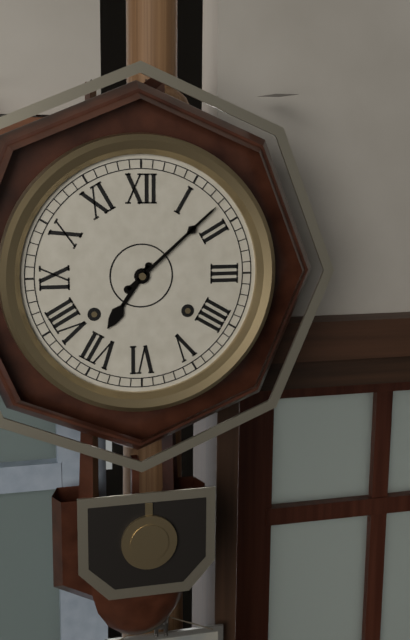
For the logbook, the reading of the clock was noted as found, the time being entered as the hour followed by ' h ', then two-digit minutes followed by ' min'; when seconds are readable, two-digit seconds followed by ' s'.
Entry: 7 h 08 min
